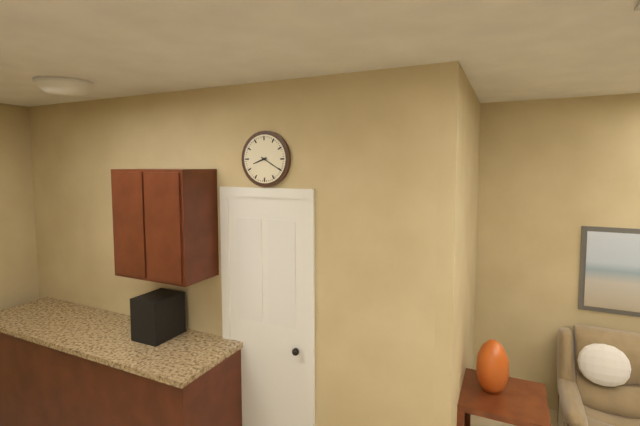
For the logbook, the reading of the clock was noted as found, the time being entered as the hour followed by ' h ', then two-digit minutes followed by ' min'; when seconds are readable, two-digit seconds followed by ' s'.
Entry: 8 h 20 min
